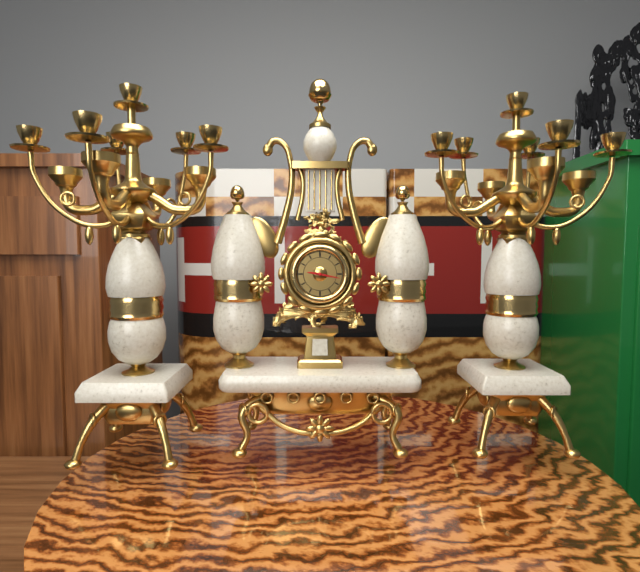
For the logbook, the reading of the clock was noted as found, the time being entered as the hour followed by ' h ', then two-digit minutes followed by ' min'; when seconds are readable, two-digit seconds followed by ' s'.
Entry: 9 h 17 min
